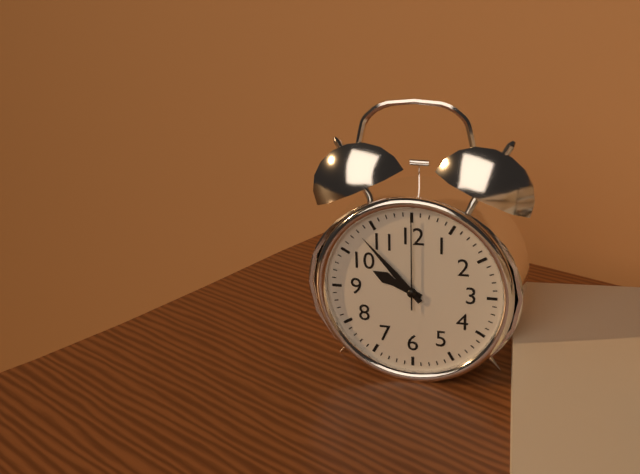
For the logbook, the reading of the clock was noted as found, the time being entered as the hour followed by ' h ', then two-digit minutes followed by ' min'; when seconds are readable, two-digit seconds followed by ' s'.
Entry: 9 h 53 min 00 s
